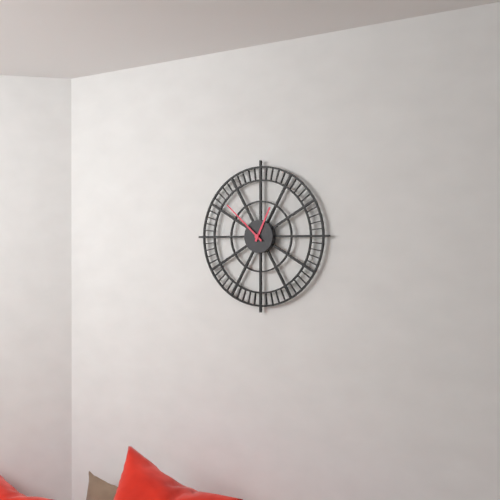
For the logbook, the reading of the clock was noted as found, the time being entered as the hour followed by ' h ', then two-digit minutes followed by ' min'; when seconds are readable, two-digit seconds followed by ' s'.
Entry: 12 h 52 min
